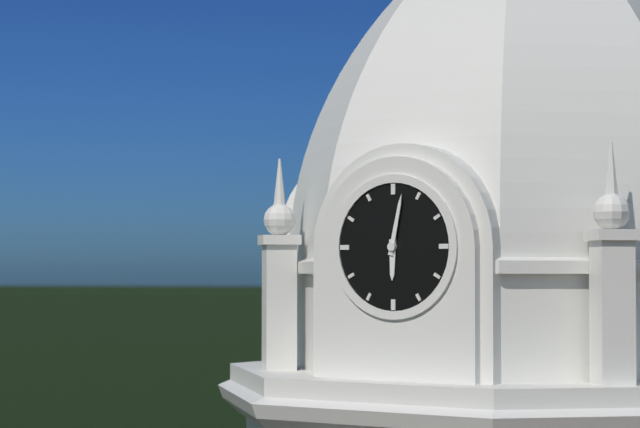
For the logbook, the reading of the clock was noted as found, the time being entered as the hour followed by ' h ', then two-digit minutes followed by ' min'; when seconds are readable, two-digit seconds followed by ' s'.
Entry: 6 h 02 min
